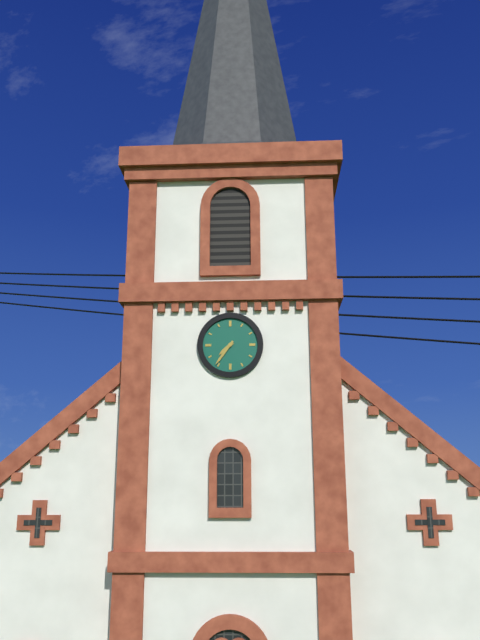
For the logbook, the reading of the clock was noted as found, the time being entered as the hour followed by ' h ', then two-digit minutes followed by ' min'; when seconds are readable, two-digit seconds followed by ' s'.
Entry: 7 h 36 min
